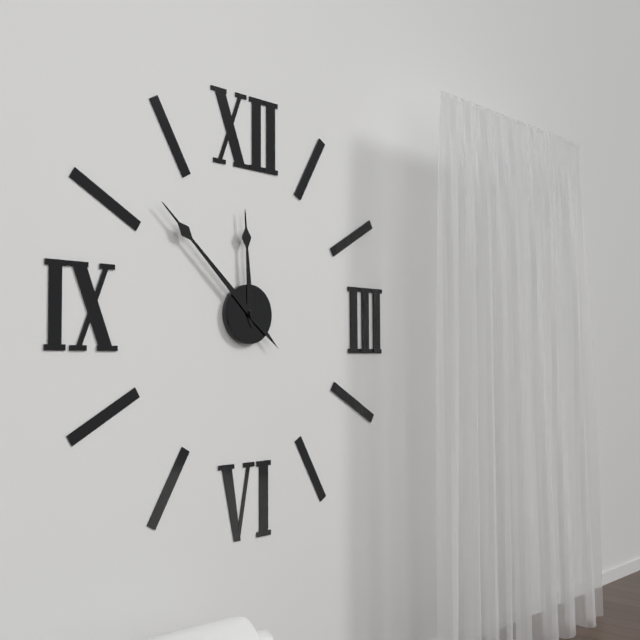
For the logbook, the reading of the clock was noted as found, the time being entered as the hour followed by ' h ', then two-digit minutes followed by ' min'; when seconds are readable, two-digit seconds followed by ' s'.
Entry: 11 h 52 min
